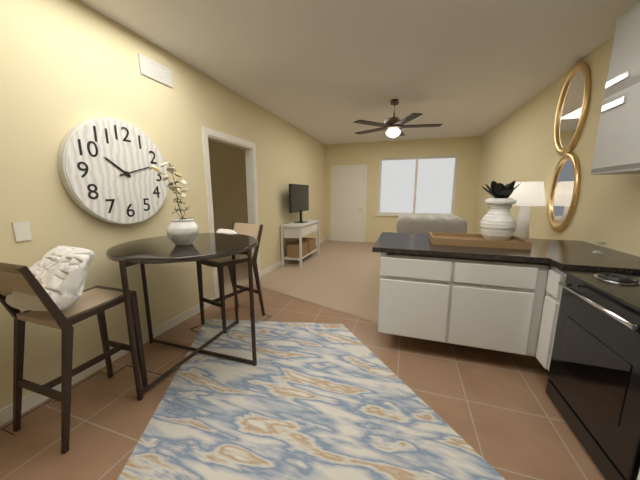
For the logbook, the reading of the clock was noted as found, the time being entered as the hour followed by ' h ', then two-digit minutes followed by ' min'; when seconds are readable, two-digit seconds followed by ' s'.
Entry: 10 h 12 min
